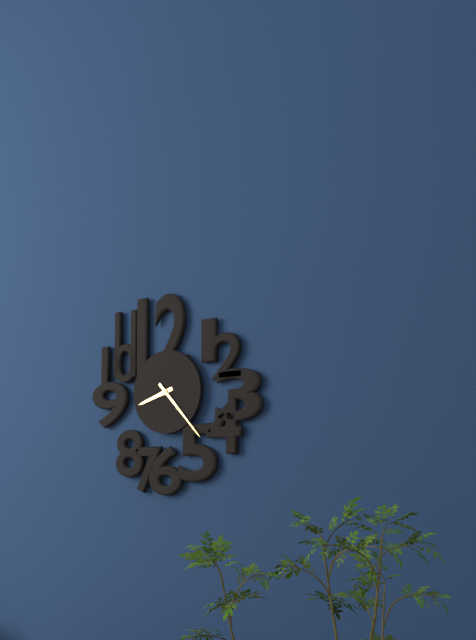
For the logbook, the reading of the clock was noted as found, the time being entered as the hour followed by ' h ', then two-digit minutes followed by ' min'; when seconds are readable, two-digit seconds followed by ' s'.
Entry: 8 h 23 min
